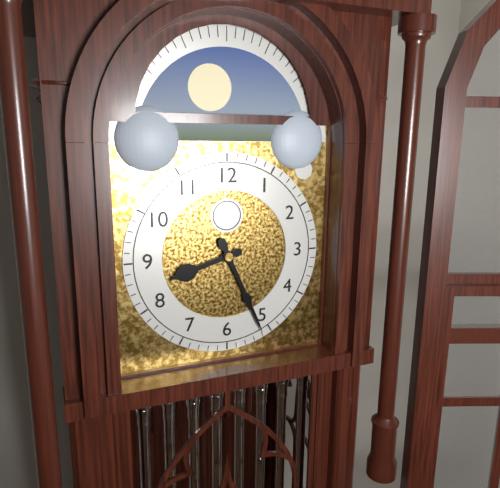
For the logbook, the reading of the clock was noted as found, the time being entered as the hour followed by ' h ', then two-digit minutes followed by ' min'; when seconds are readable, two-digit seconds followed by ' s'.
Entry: 8 h 26 min
